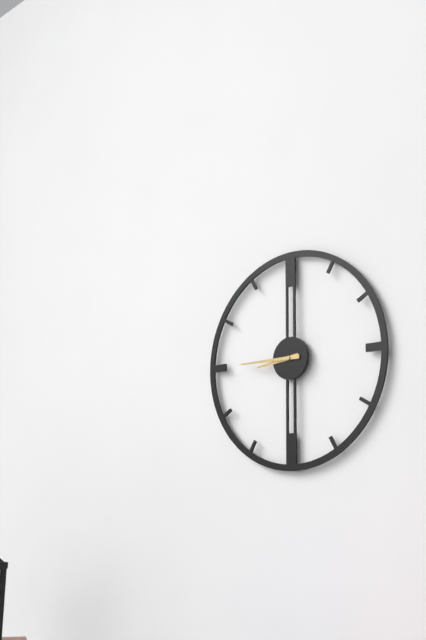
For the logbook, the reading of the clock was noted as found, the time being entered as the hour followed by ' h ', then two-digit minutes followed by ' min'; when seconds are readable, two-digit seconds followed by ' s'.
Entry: 8 h 45 min
